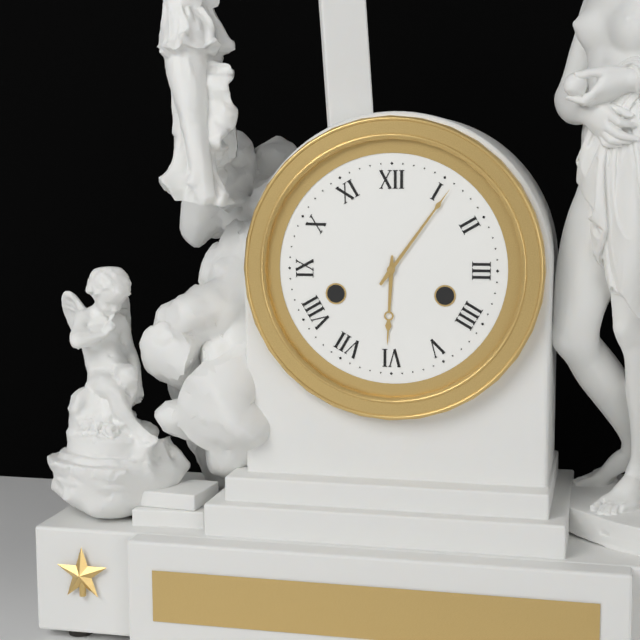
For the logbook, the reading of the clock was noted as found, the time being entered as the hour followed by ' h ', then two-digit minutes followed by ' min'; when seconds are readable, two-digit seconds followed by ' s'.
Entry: 6 h 06 min
